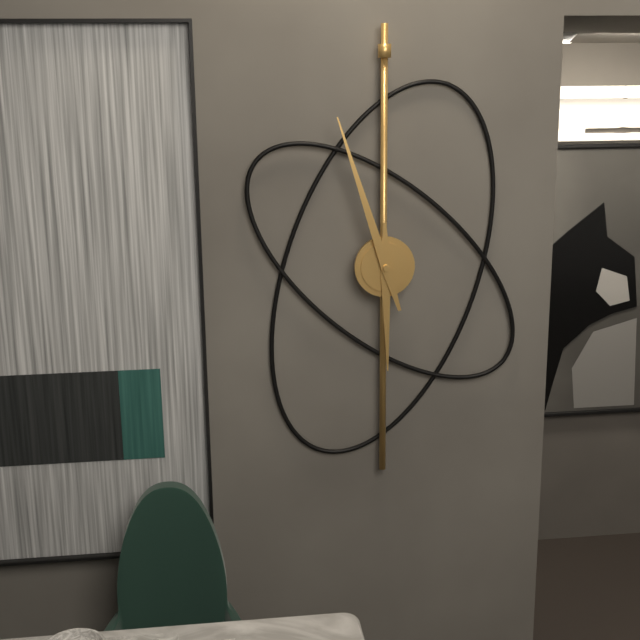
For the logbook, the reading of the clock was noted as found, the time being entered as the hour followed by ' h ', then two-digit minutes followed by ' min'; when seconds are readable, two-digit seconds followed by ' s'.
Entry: 5 h 57 min
